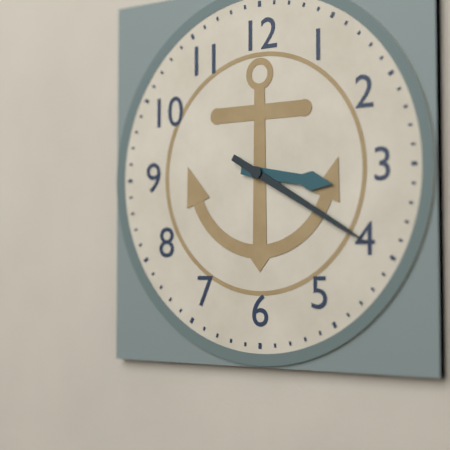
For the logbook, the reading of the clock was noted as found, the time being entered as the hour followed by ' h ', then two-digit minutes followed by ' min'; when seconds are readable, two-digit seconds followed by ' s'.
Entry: 3 h 20 min
